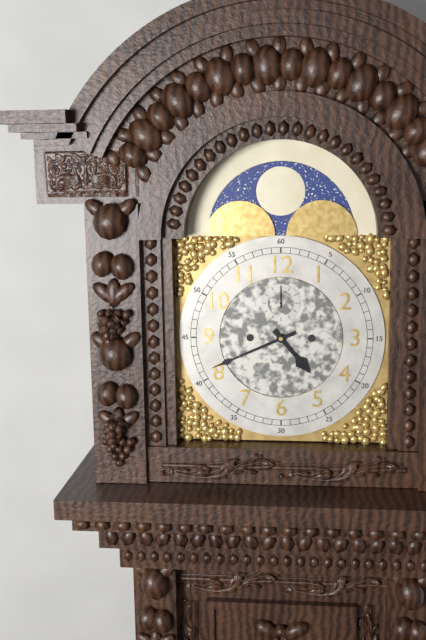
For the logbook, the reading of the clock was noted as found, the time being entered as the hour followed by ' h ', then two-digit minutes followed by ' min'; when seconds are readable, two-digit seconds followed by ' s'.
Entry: 4 h 41 min
